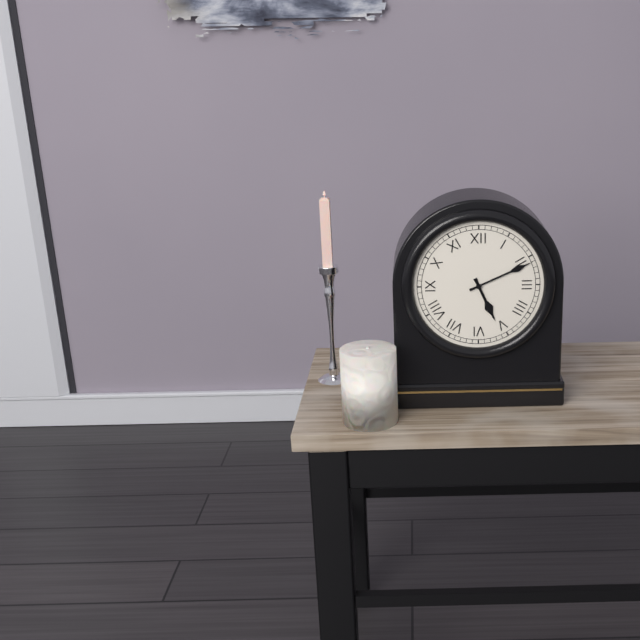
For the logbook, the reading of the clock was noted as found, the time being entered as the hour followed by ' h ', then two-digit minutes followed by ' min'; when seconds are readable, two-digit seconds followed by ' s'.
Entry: 5 h 11 min
